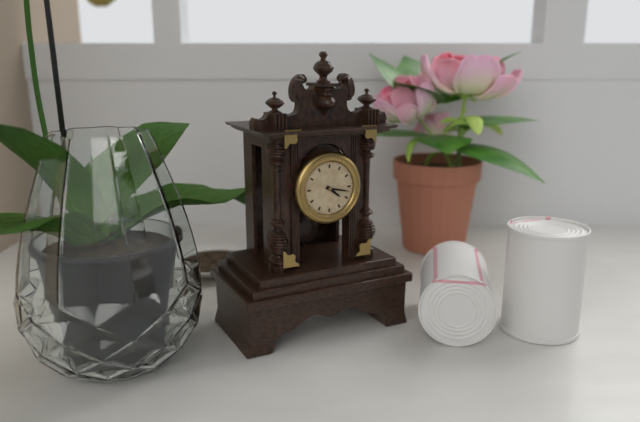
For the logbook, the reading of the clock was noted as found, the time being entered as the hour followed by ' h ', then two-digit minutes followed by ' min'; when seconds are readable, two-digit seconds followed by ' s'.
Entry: 4 h 17 min
